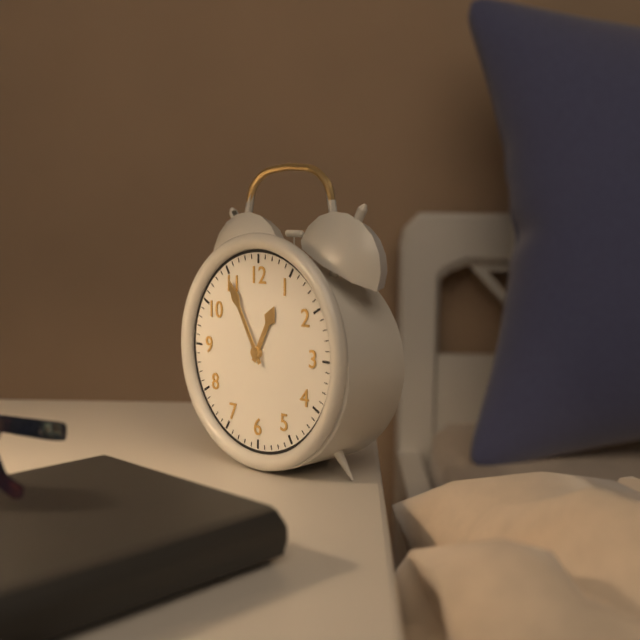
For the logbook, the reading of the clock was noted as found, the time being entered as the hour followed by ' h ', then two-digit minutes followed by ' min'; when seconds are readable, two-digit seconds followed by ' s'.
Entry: 12 h 55 min
